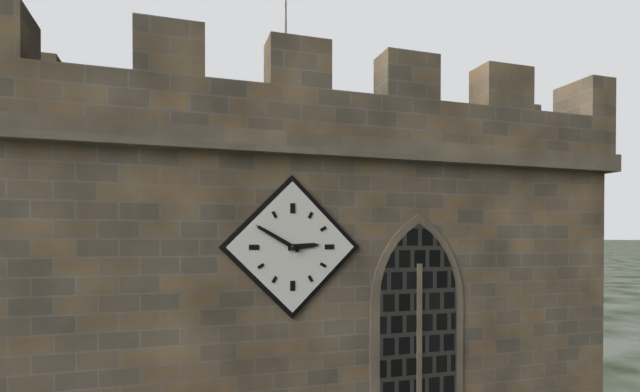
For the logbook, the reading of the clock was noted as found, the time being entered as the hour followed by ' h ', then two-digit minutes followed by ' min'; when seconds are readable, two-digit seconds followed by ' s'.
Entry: 2 h 50 min
